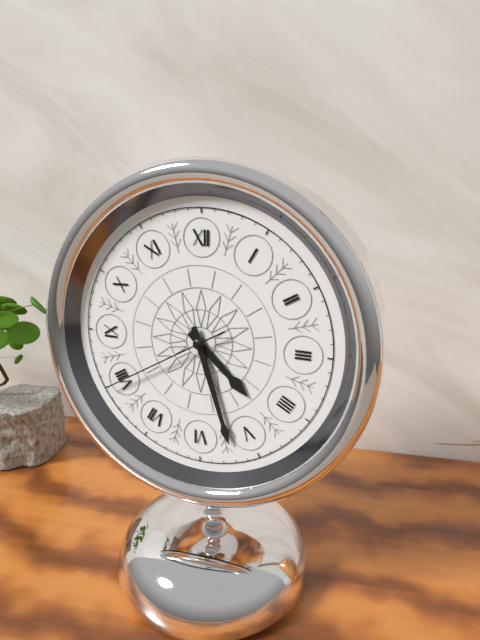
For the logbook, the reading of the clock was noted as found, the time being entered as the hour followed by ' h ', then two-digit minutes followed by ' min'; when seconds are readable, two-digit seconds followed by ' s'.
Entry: 4 h 27 min 40 s
